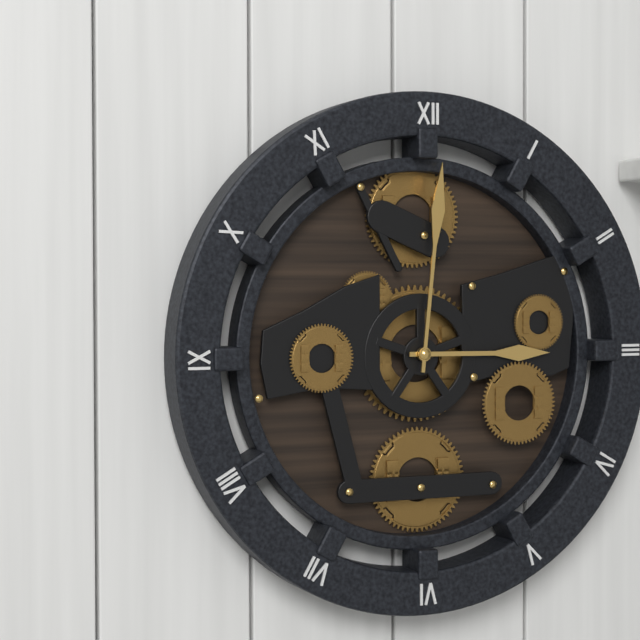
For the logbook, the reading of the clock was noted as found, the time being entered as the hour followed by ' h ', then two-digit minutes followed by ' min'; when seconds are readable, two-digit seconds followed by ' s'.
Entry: 3 h 01 min
